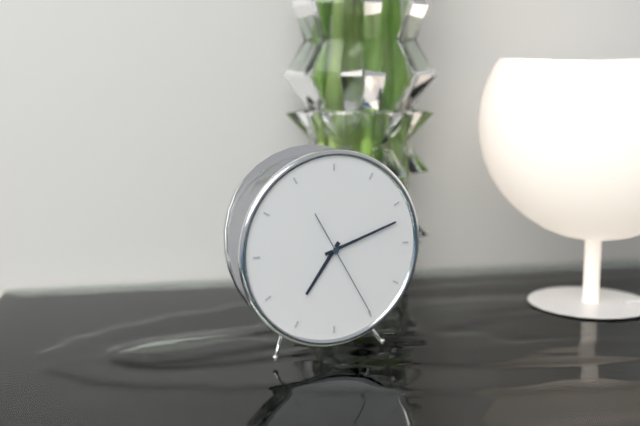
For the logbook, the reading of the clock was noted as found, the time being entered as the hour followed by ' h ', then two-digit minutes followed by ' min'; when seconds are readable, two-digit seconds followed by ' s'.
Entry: 7 h 12 min 25 s
